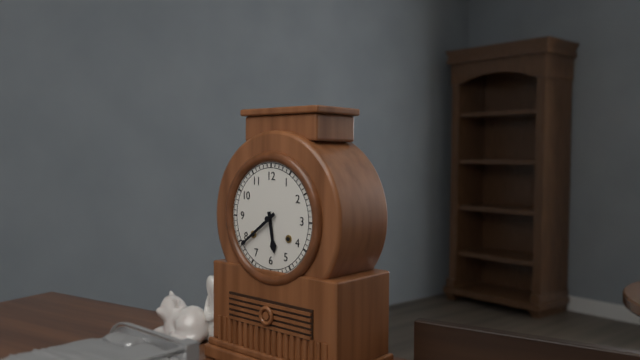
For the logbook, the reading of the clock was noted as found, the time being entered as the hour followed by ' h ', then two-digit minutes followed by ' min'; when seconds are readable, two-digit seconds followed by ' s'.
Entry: 5 h 39 min
